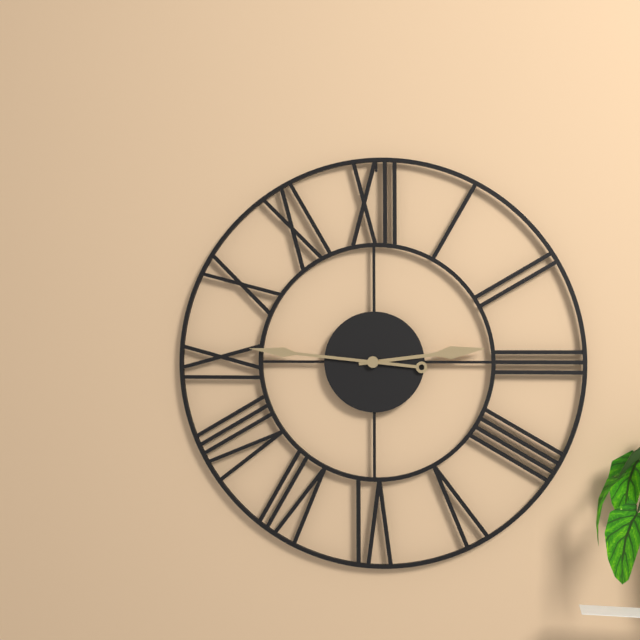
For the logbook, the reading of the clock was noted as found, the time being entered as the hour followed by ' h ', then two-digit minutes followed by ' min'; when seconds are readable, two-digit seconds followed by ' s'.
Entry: 2 h 46 min
